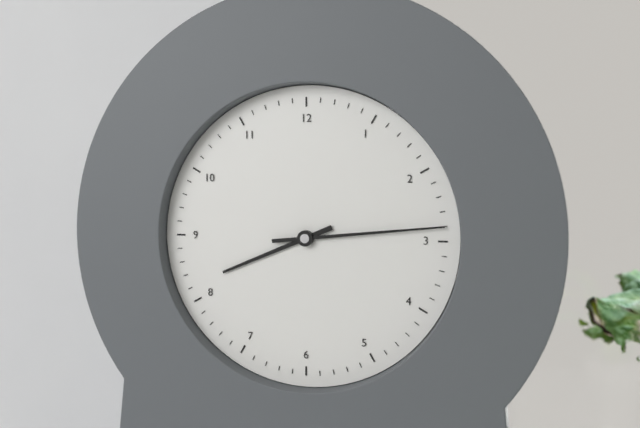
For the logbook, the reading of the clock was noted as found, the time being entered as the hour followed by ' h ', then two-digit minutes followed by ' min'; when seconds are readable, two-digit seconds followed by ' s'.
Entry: 8 h 14 min
